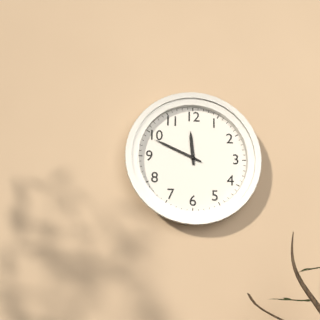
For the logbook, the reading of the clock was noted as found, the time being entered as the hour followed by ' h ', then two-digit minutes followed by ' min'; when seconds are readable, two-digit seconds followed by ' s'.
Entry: 11 h 49 min
